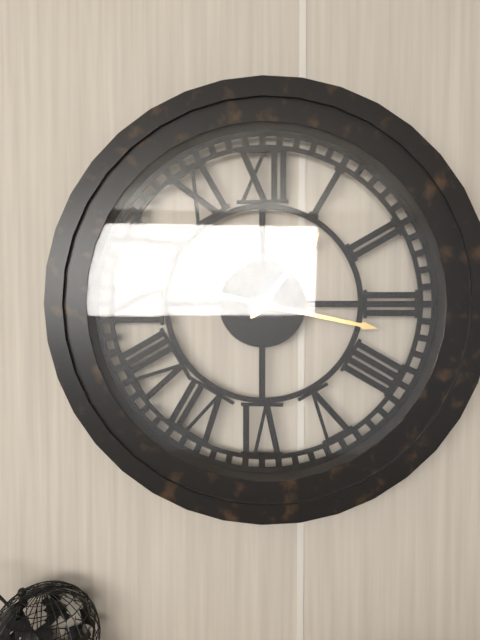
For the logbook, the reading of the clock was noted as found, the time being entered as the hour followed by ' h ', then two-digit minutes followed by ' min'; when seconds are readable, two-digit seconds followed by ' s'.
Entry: 1 h 17 min
